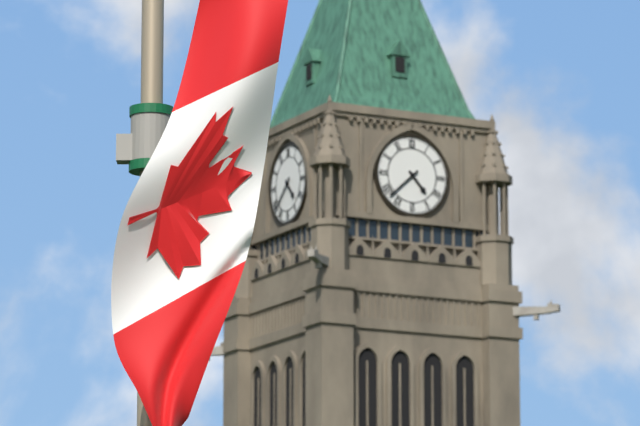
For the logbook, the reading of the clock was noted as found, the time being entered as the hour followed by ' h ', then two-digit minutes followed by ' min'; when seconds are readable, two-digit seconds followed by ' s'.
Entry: 4 h 38 min
